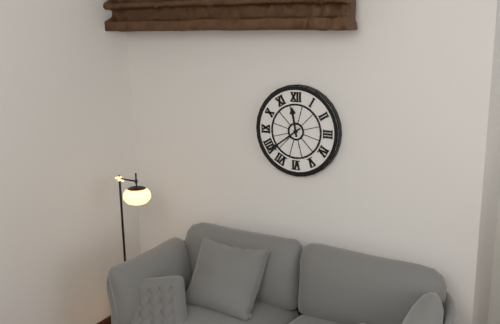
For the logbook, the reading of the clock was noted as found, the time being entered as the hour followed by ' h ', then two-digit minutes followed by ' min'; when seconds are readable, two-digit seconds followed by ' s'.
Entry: 11 h 39 min
